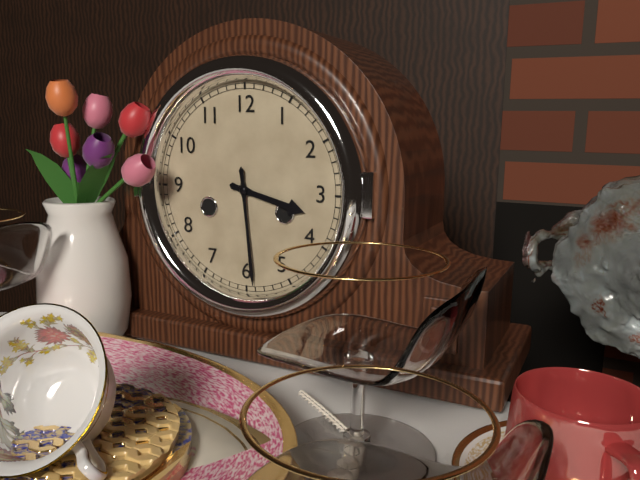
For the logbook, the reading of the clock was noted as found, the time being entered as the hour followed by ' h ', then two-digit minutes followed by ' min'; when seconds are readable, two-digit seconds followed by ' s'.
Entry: 3 h 29 min
